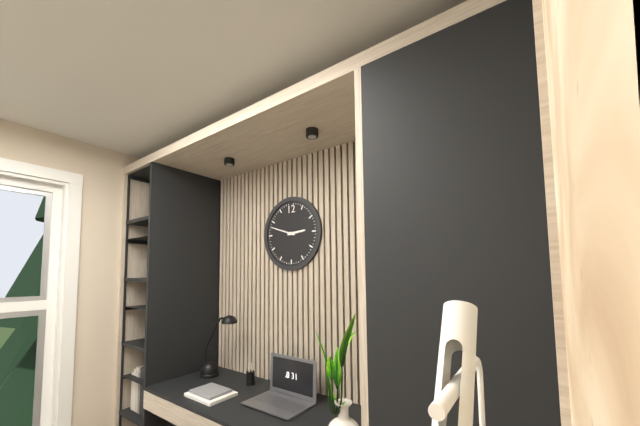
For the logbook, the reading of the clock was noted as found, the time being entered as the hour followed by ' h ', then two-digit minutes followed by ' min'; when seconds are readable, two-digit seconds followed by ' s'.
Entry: 2 h 48 min
